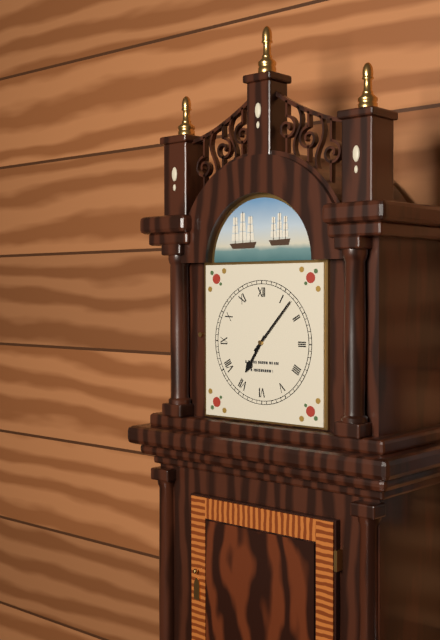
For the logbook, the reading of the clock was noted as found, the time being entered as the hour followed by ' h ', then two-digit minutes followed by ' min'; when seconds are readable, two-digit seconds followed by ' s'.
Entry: 7 h 07 min
